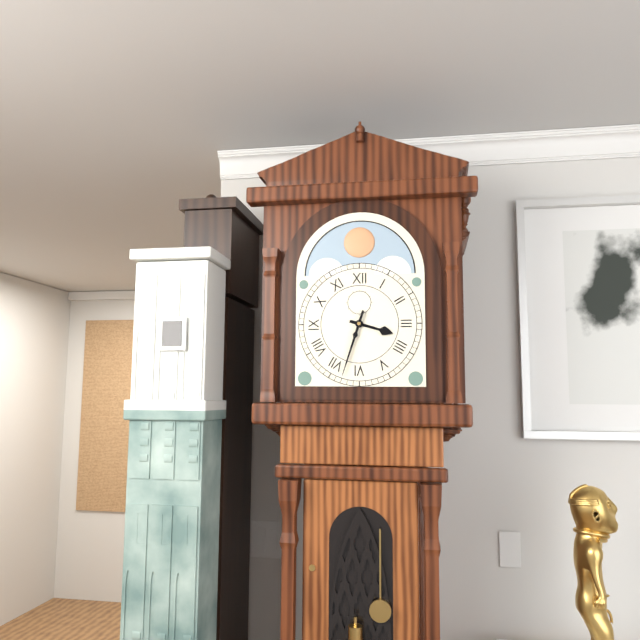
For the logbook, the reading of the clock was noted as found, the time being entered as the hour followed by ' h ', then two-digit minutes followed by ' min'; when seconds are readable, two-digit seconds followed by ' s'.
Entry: 3 h 33 min
